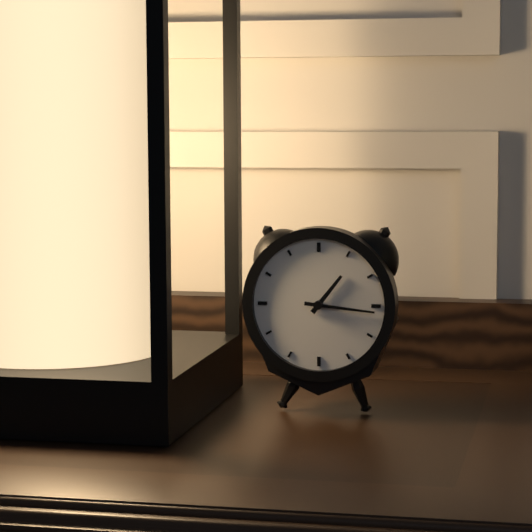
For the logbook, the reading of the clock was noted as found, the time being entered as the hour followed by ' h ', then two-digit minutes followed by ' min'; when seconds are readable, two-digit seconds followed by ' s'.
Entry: 1 h 16 min
